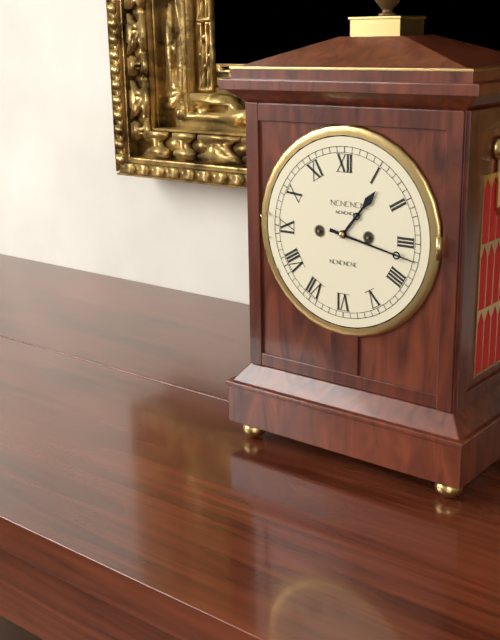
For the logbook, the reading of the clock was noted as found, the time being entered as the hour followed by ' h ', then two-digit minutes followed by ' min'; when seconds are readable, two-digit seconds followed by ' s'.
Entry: 1 h 17 min
